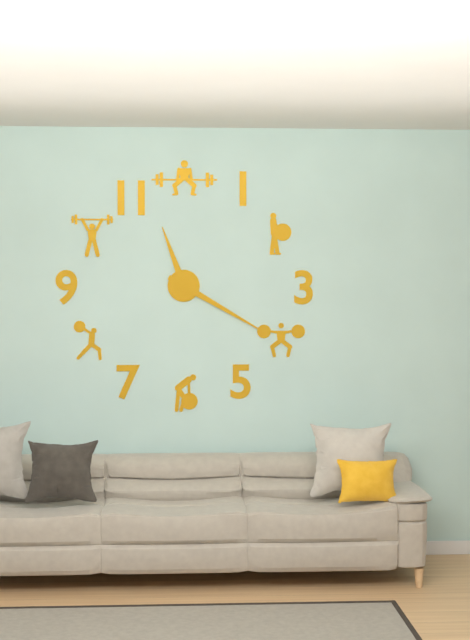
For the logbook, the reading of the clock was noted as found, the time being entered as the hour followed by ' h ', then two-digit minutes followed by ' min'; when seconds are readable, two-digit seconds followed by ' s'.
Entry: 11 h 20 min
